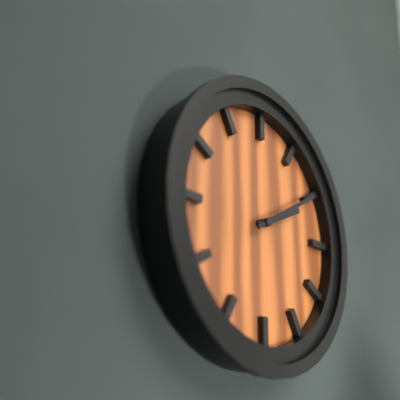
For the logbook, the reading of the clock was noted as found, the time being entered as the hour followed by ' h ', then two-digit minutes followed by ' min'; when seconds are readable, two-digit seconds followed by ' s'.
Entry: 2 h 10 min
